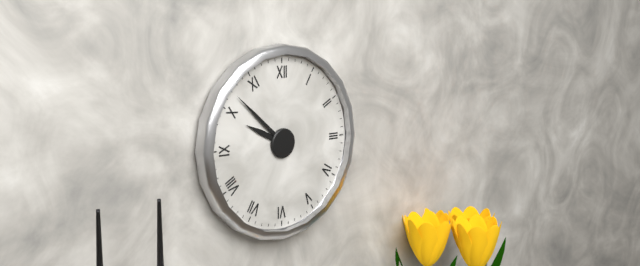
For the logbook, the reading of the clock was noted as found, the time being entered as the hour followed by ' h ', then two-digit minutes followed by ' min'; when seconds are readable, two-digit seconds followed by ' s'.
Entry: 9 h 52 min
